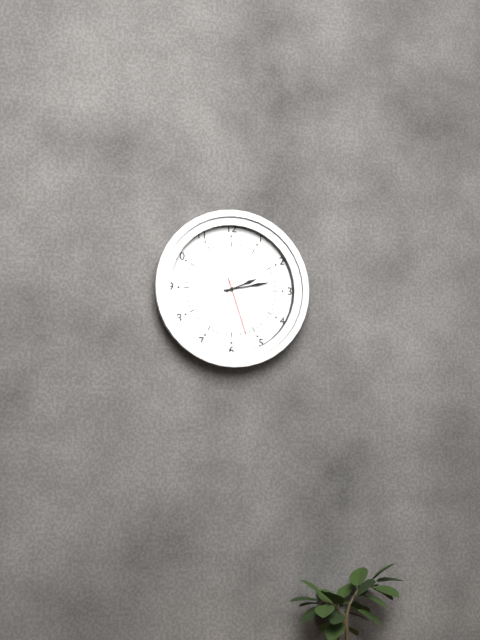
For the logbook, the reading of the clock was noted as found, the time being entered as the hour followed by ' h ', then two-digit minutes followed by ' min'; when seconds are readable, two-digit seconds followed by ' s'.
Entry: 2 h 13 min 27 s
